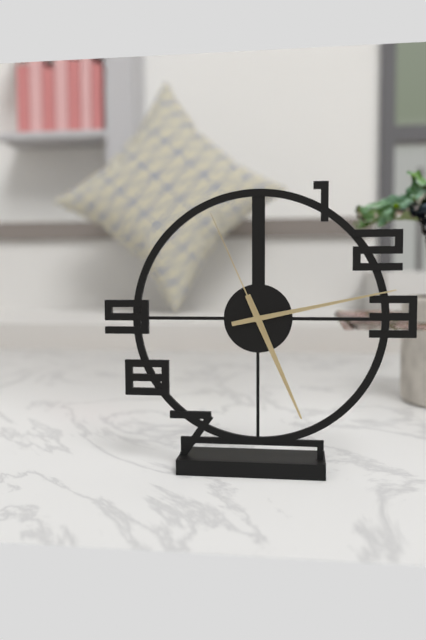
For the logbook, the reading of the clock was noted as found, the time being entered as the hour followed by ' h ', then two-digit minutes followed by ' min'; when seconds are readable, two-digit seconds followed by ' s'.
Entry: 5 h 13 min 56 s
